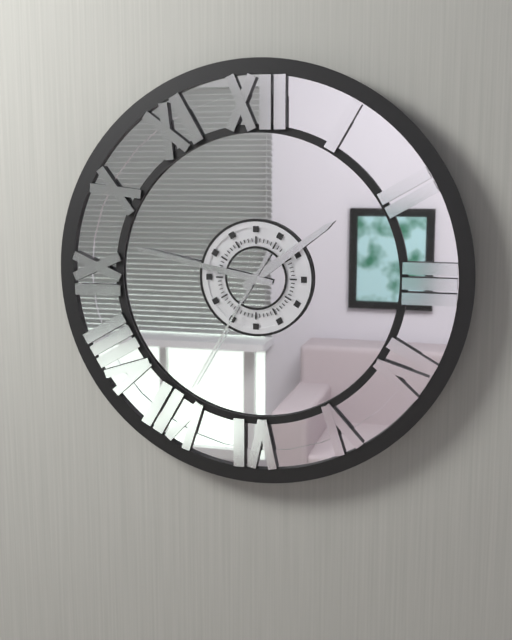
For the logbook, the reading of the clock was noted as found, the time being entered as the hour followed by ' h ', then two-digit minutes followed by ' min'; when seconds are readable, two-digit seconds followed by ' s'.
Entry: 1 h 47 min 35 s
